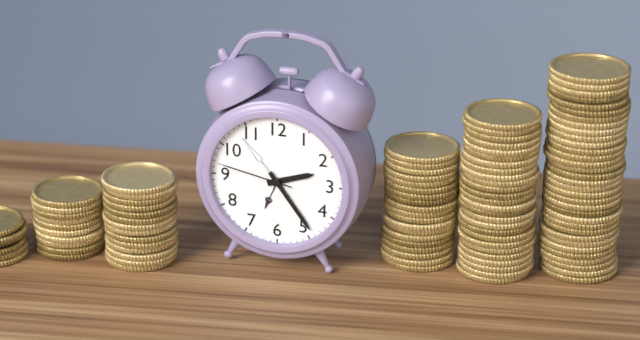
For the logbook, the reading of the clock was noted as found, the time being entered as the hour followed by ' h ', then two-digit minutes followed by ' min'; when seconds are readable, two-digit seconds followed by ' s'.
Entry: 2 h 24 min 47 s
